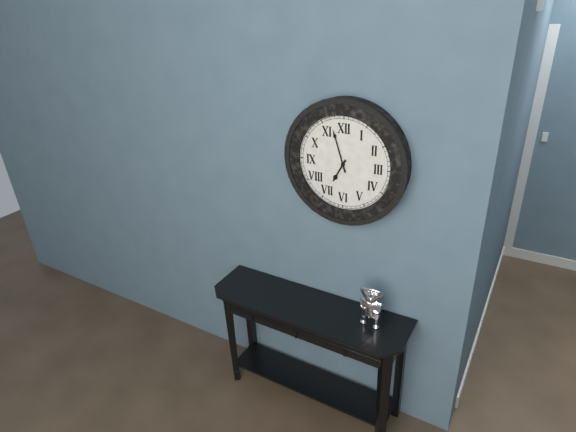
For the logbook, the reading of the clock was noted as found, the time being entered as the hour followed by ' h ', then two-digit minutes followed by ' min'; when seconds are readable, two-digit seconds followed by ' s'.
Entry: 6 h 57 min
